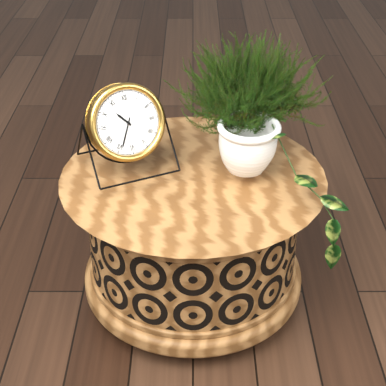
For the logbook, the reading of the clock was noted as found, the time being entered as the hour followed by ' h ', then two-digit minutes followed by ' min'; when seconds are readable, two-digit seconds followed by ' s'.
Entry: 10 h 34 min
